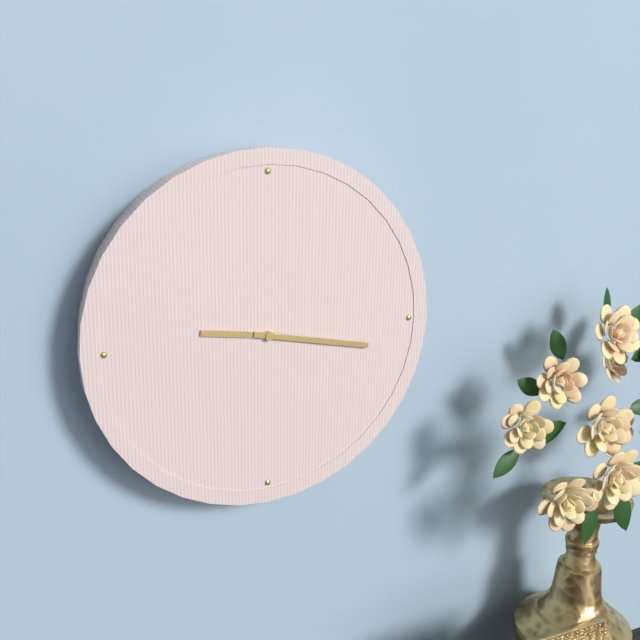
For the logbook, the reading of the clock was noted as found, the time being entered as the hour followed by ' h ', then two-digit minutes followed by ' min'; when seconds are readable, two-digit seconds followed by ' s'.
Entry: 9 h 17 min
